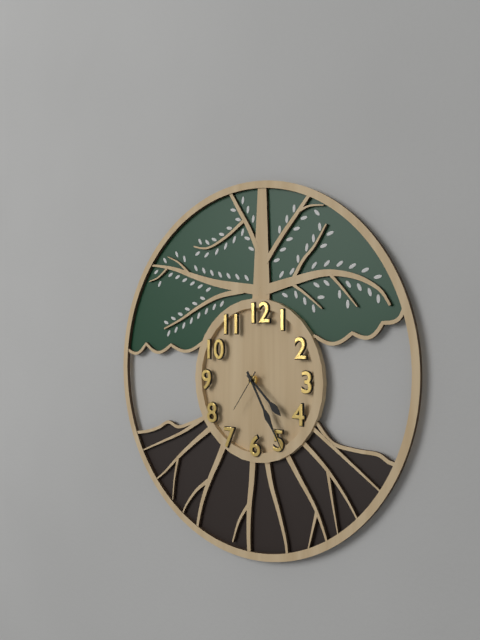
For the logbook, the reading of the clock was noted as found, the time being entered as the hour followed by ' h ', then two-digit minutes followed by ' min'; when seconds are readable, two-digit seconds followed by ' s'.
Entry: 4 h 25 min
